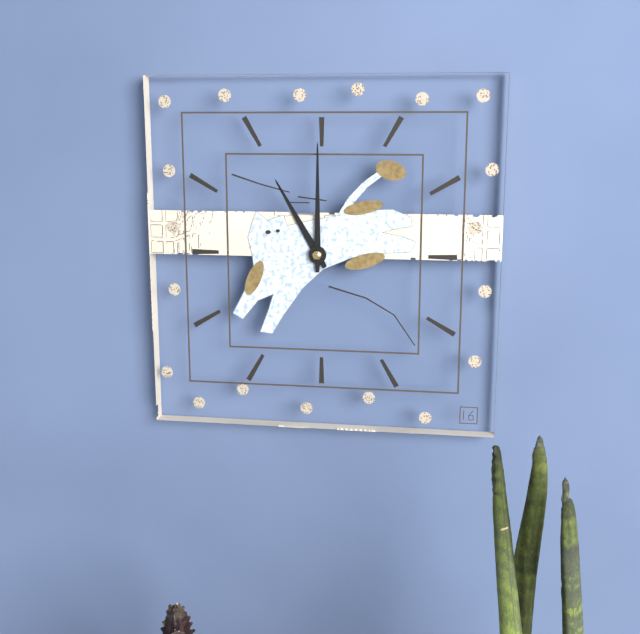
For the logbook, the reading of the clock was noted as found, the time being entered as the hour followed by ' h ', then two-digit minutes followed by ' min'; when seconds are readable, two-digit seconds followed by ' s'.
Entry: 11 h 00 min
